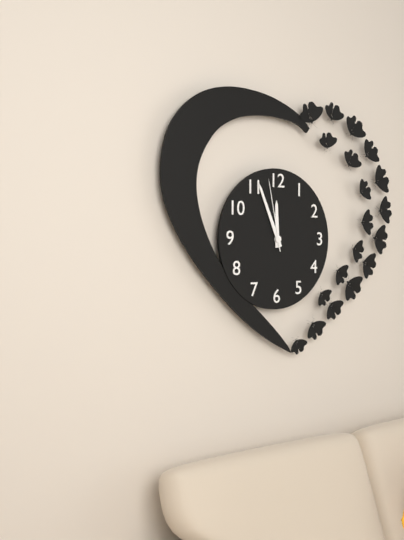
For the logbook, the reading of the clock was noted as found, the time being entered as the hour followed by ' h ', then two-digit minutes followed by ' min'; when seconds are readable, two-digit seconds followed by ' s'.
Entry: 11 h 56 min 58 s
